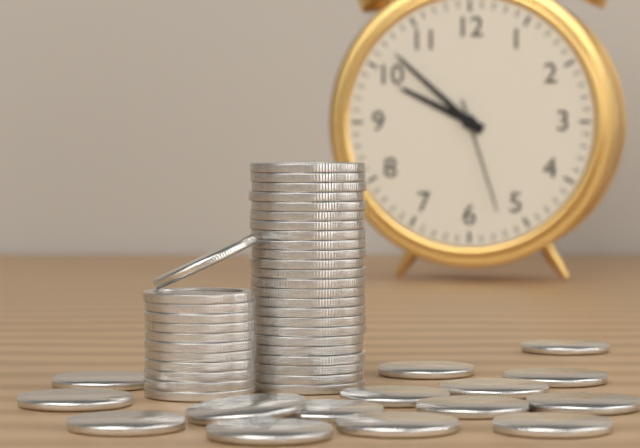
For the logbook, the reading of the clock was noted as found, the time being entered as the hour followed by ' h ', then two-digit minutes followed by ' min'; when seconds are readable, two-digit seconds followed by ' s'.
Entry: 9 h 52 min 27 s
